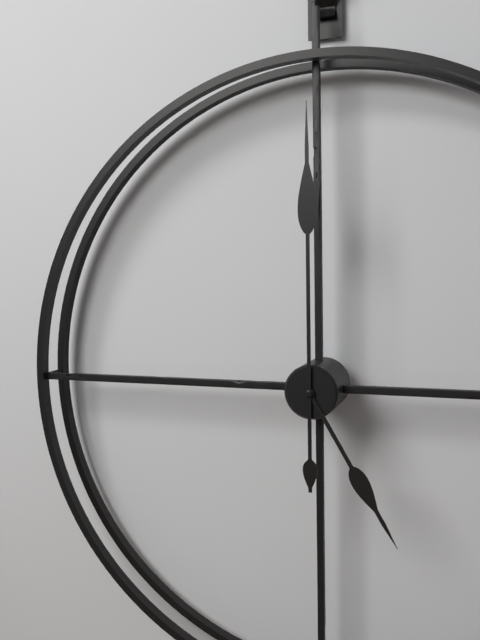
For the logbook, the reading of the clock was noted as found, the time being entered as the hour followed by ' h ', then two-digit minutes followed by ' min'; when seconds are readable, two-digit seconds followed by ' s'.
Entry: 5 h 00 min
